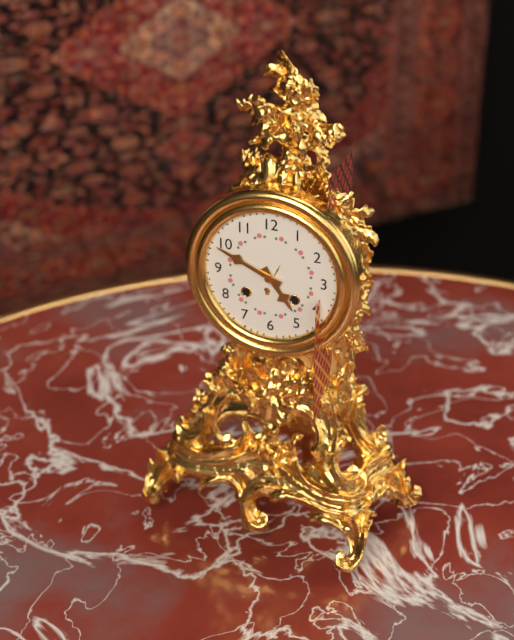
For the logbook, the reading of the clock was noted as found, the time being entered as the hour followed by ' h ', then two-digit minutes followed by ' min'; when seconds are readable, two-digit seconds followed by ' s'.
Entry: 4 h 49 min
